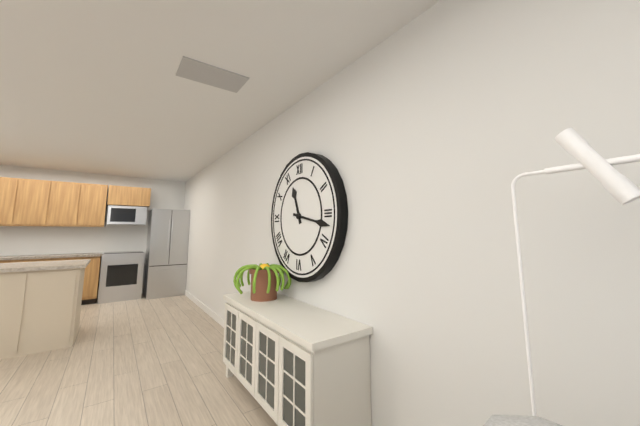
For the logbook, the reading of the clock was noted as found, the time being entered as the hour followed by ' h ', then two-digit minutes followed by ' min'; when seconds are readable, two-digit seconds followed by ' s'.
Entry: 11 h 17 min
